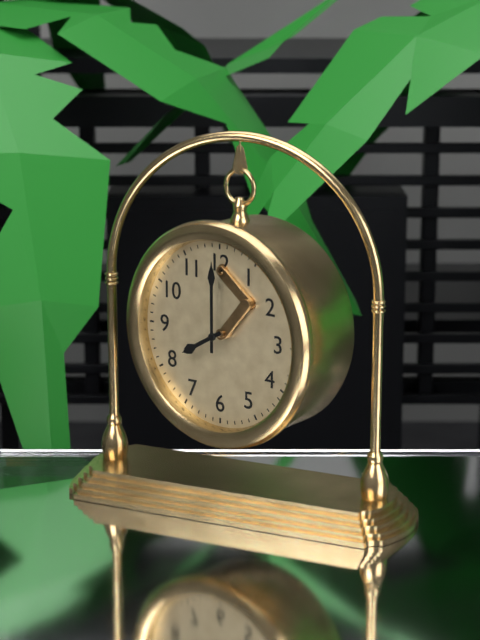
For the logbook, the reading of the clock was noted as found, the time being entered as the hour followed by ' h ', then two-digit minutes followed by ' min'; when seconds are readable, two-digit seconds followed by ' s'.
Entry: 8 h 00 min
